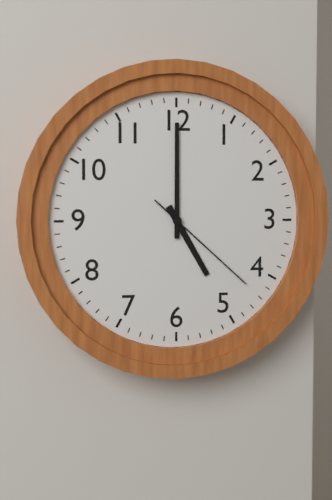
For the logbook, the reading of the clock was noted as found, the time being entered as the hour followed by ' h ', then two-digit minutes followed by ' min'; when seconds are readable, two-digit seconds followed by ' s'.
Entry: 5 h 00 min 22 s
